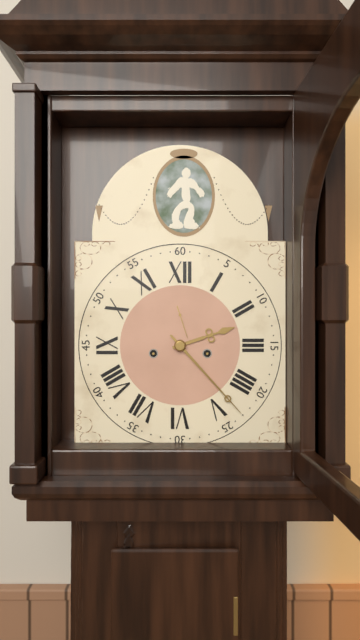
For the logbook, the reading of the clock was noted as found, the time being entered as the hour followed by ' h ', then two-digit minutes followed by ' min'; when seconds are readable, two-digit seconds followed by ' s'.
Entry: 2 h 23 min
